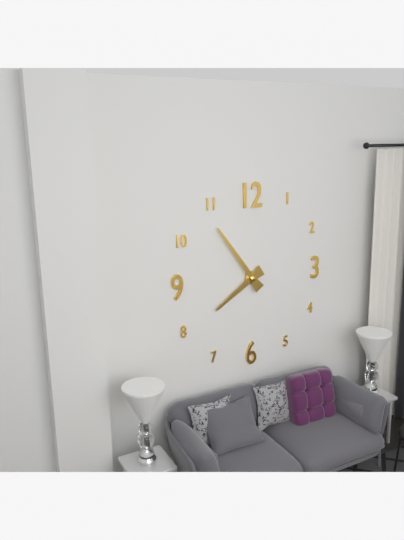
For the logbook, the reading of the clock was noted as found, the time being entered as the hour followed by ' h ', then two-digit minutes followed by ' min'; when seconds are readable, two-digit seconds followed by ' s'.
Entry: 7 h 54 min
